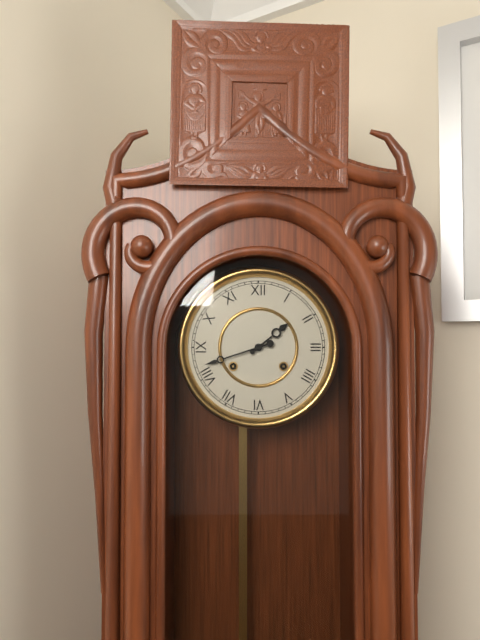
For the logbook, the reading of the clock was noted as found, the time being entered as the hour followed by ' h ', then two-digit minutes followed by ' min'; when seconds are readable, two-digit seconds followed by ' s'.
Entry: 1 h 42 min
